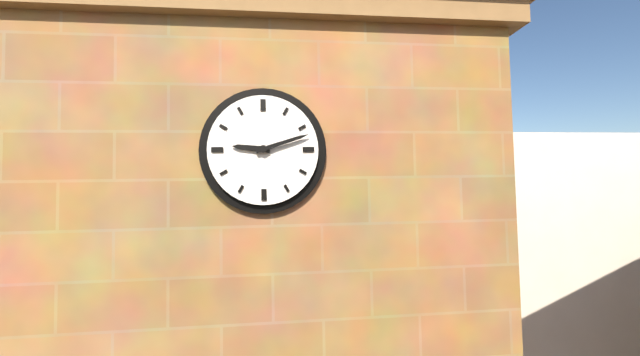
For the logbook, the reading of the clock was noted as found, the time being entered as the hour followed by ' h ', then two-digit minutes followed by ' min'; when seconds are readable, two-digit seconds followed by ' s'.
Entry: 9 h 12 min
